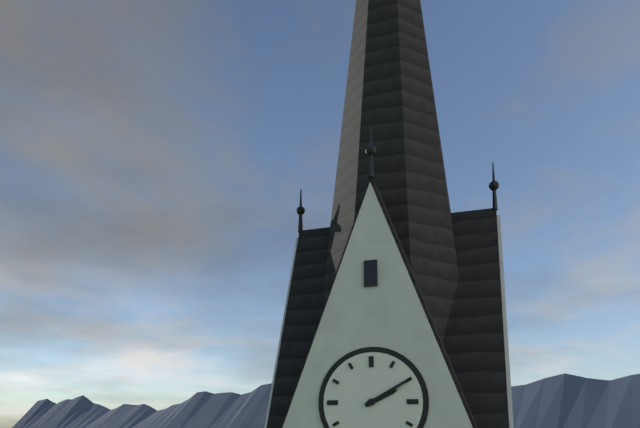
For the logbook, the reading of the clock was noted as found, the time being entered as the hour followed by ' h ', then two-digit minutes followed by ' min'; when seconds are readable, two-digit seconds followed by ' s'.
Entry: 2 h 10 min
